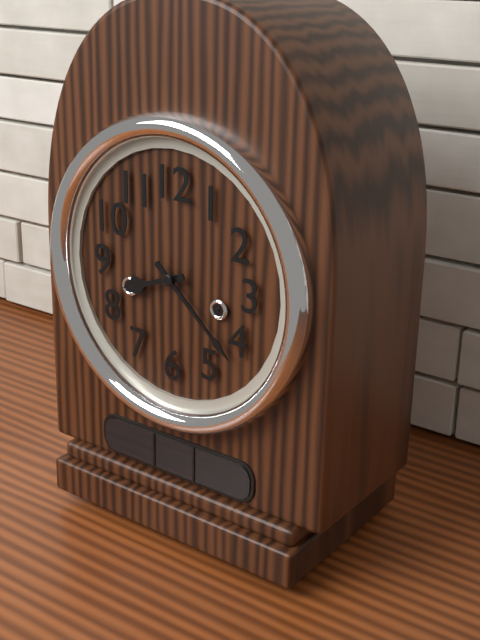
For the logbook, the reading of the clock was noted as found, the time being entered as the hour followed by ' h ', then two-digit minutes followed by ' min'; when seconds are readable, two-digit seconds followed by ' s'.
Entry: 8 h 22 min
